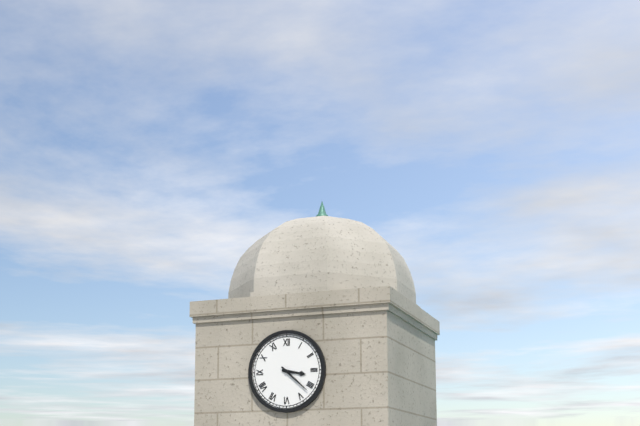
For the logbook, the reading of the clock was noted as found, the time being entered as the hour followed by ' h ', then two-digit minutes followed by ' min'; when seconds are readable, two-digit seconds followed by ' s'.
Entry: 3 h 22 min
